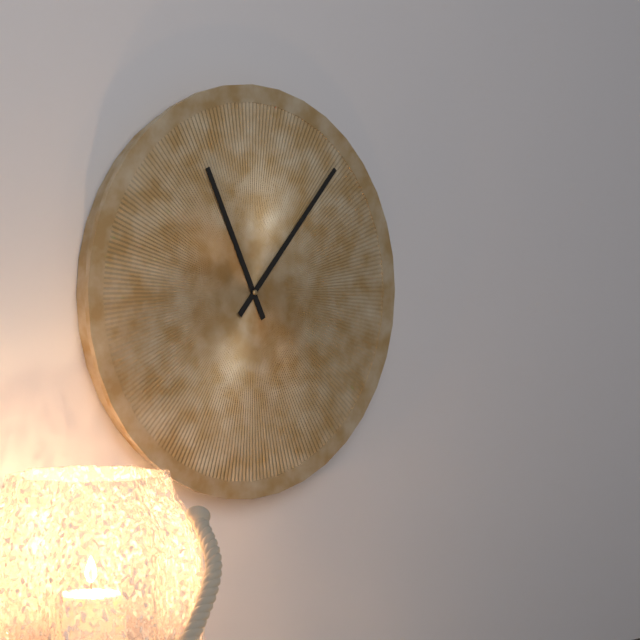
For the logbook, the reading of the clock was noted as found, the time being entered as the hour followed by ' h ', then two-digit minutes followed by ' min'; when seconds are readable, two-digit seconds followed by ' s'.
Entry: 11 h 07 min
